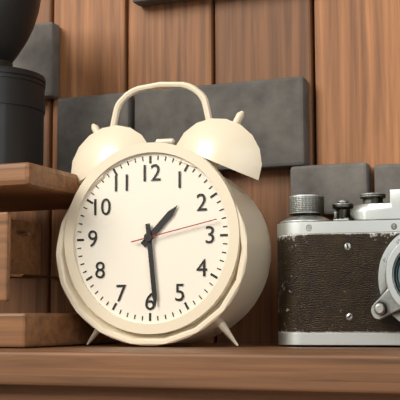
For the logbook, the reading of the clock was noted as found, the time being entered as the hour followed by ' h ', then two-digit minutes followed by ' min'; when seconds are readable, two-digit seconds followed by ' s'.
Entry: 1 h 29 min 13 s
